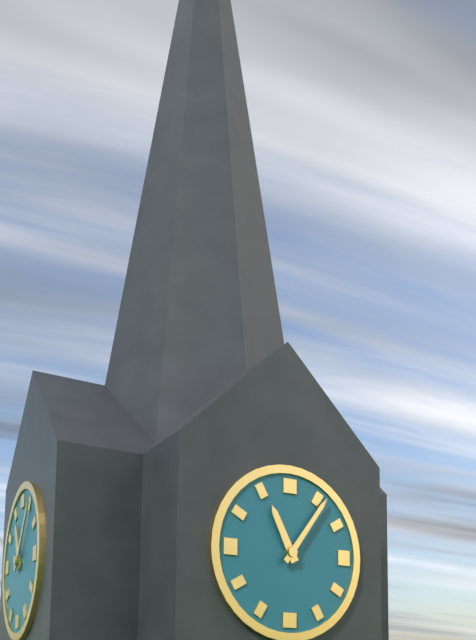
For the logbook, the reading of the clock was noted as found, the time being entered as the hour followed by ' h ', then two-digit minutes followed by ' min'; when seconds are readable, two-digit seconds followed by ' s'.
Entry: 11 h 06 min
